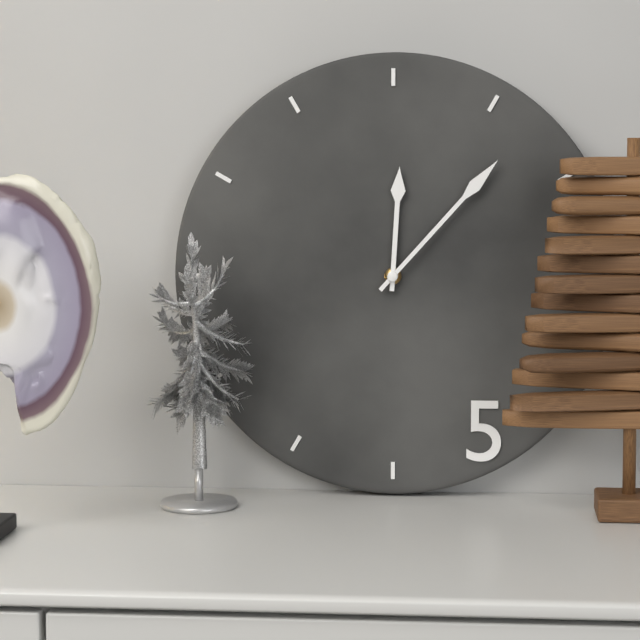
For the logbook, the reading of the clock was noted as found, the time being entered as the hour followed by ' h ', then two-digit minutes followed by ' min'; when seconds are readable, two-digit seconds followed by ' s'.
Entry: 12 h 07 min
